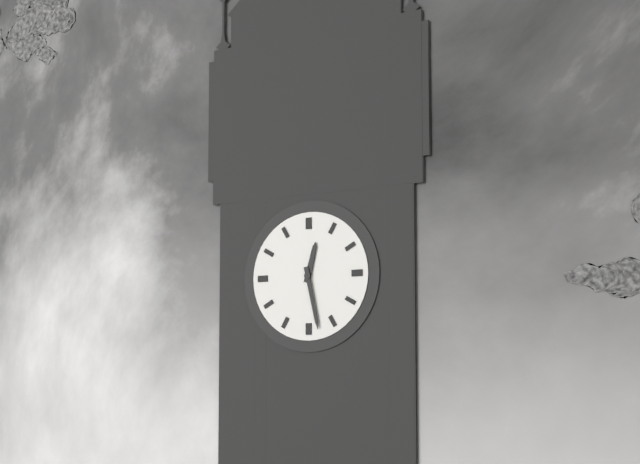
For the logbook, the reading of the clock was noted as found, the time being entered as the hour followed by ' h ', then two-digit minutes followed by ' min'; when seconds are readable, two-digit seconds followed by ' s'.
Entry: 12 h 28 min
